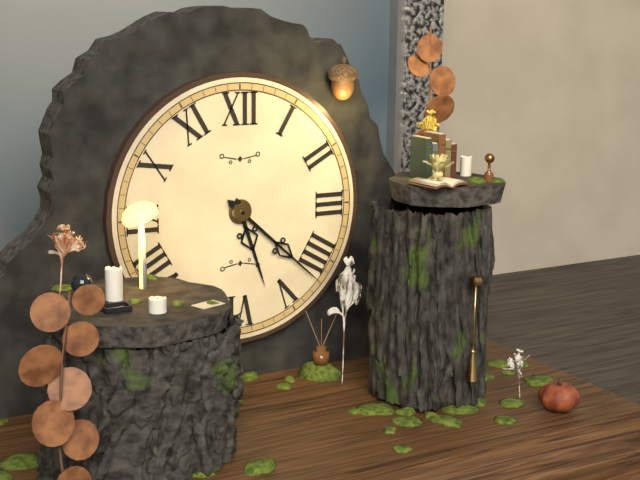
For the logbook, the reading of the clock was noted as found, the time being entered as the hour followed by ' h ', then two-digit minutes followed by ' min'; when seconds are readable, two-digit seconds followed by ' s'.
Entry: 5 h 22 min
